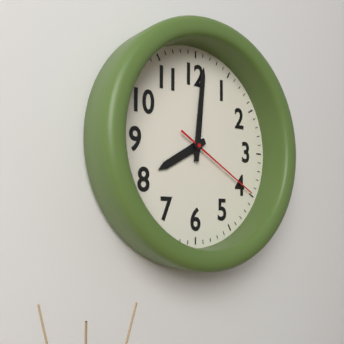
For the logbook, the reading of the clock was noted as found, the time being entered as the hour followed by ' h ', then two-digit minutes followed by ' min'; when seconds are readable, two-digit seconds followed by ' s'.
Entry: 8 h 01 min 20 s
